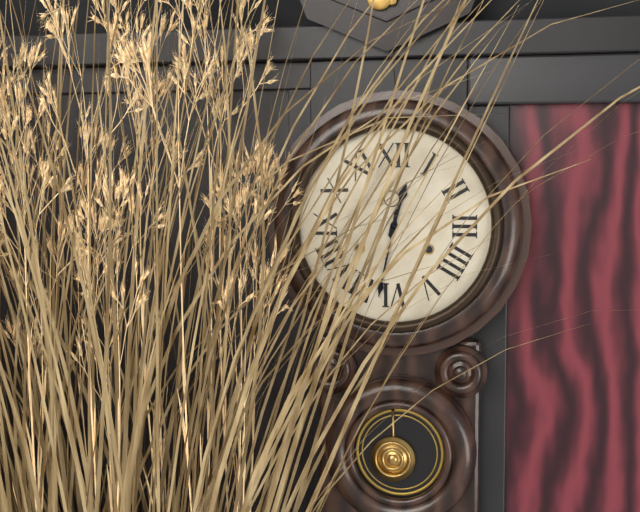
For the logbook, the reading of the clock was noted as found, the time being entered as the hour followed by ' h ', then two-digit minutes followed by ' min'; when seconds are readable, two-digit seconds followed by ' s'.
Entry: 12 h 32 min
